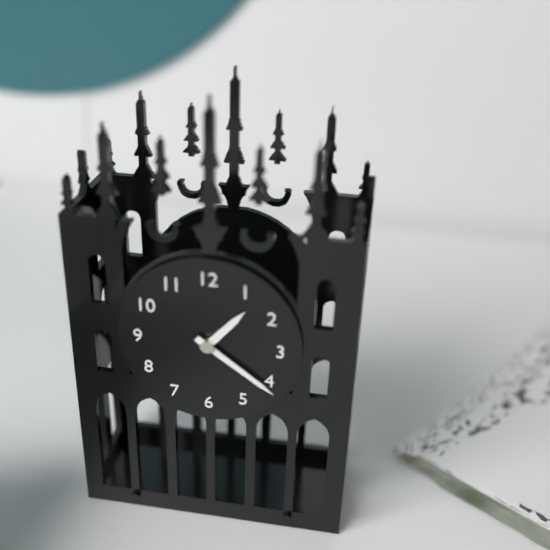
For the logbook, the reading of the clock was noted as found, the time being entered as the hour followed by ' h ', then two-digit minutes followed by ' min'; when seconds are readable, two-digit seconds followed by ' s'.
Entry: 1 h 21 min
